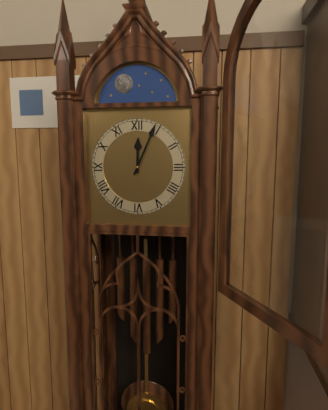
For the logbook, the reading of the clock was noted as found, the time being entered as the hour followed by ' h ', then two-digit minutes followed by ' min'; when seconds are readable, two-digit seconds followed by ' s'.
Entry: 12 h 04 min
